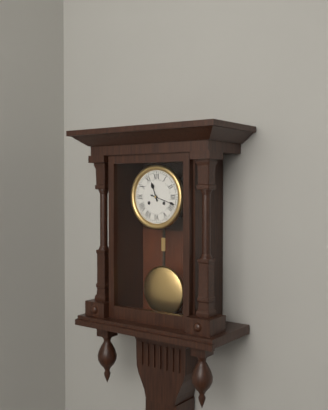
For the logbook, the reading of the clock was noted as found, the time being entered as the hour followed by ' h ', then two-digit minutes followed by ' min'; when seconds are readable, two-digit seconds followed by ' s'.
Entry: 11 h 18 min
